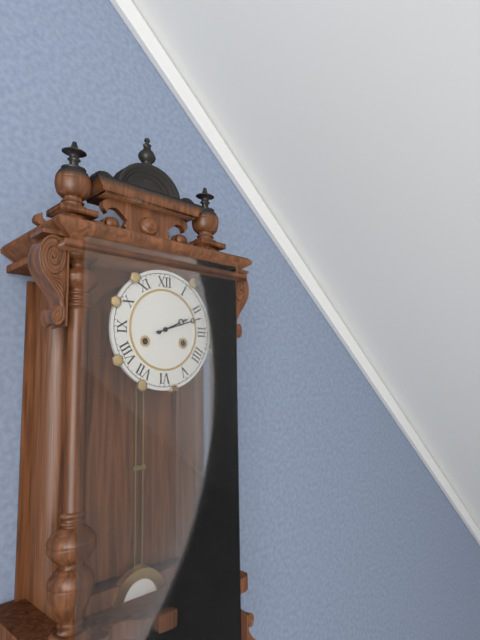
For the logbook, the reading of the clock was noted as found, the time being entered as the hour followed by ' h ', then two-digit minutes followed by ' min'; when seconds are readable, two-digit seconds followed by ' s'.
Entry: 2 h 12 min
